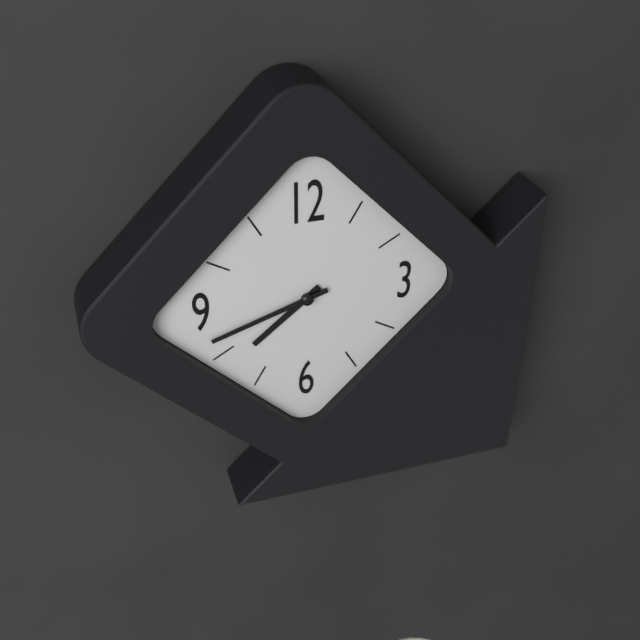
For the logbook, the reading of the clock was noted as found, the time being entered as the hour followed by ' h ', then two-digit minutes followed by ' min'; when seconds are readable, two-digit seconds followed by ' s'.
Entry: 7 h 42 min
